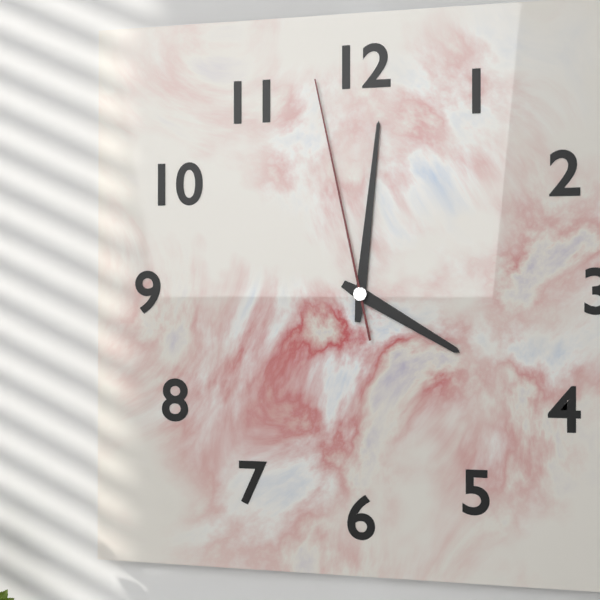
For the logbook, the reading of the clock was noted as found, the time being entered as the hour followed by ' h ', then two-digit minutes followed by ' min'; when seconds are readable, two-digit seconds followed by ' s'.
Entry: 4 h 01 min 58 s
